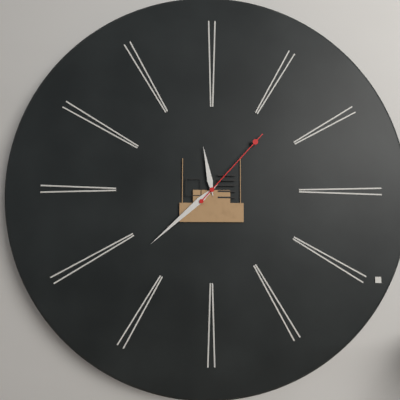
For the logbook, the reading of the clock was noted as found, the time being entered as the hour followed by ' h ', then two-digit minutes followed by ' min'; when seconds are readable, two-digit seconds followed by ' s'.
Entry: 11 h 38 min 07 s
